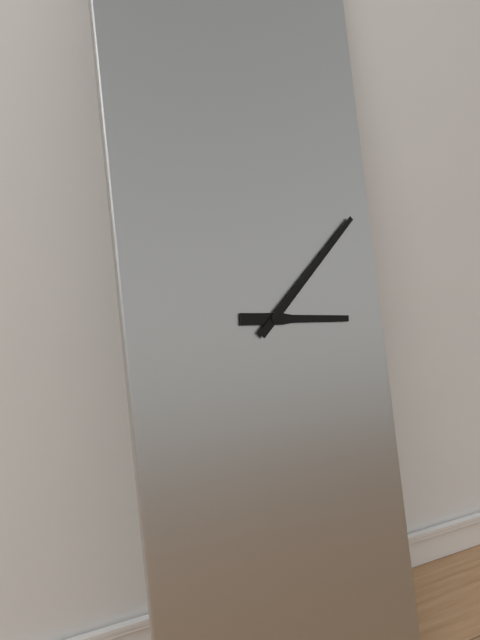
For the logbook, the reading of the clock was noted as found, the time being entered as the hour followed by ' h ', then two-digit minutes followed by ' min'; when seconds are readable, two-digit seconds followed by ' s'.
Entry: 3 h 08 min
